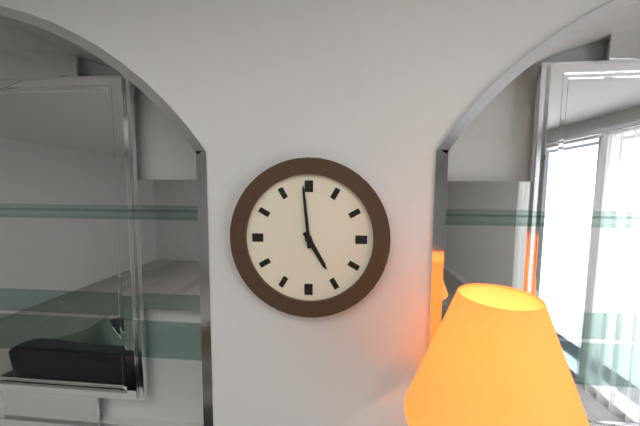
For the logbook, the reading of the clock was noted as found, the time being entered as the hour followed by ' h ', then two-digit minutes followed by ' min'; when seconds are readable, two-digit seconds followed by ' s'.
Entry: 4 h 59 min
